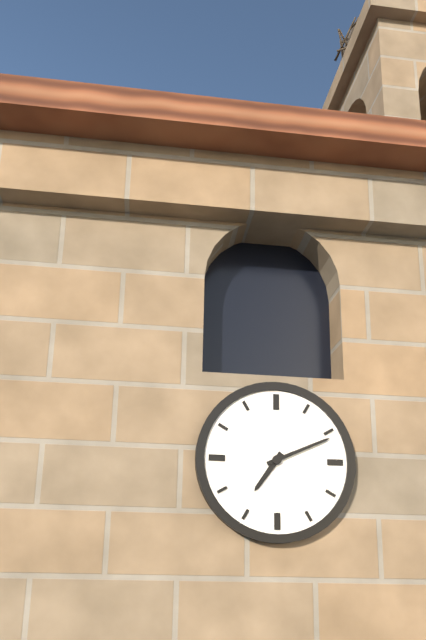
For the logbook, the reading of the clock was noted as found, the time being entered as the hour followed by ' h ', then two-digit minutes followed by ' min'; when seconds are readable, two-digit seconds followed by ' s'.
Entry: 7 h 11 min
